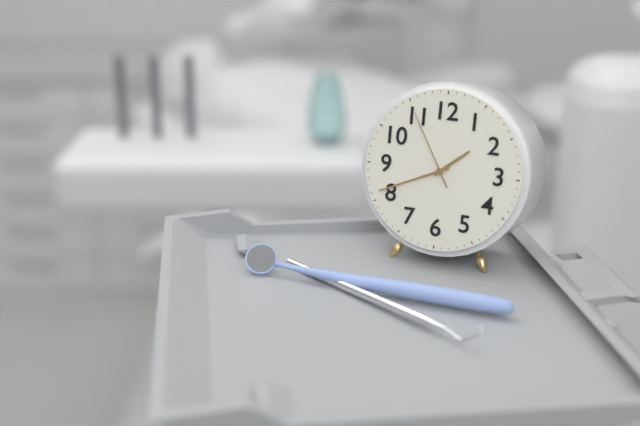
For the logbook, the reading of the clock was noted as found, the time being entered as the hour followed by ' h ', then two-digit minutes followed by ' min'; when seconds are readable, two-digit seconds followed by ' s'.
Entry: 1 h 41 min 55 s
